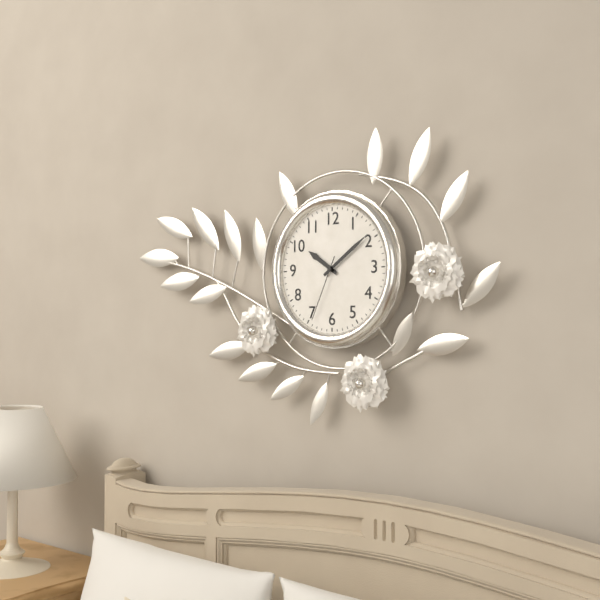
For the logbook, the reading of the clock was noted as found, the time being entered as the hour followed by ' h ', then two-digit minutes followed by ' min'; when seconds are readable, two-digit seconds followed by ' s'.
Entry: 10 h 09 min 34 s
